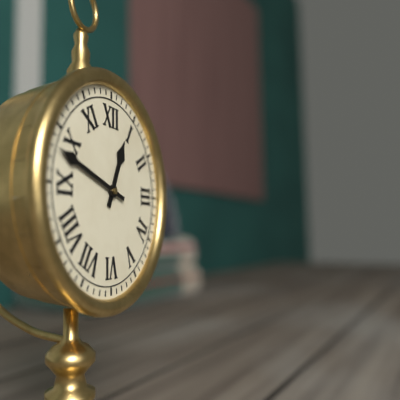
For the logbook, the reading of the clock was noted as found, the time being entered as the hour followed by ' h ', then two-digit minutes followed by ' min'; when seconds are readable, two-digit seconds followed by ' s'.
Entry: 12 h 48 min
